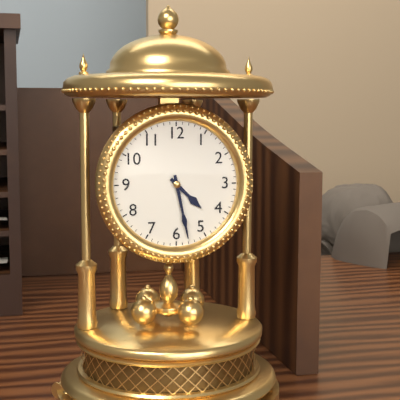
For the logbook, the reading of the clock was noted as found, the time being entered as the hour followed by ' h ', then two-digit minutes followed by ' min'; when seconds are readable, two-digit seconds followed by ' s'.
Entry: 4 h 28 min
